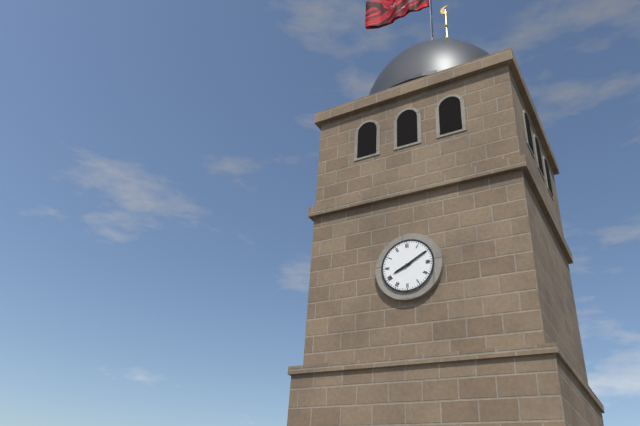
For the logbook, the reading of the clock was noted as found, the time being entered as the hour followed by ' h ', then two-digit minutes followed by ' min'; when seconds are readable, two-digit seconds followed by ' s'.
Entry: 8 h 10 min
